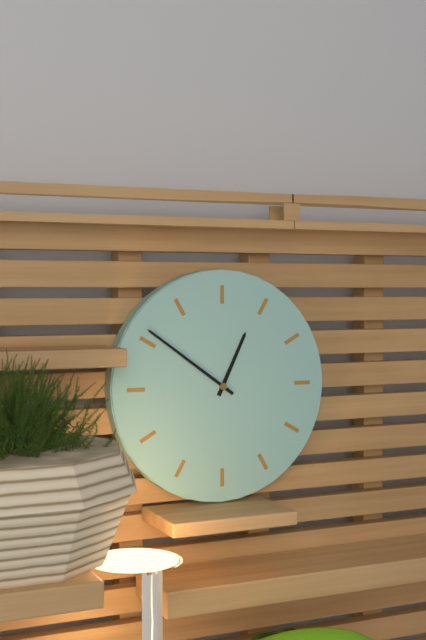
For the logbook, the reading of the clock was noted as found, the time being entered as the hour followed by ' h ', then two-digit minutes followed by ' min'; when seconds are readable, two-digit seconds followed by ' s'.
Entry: 12 h 51 min
